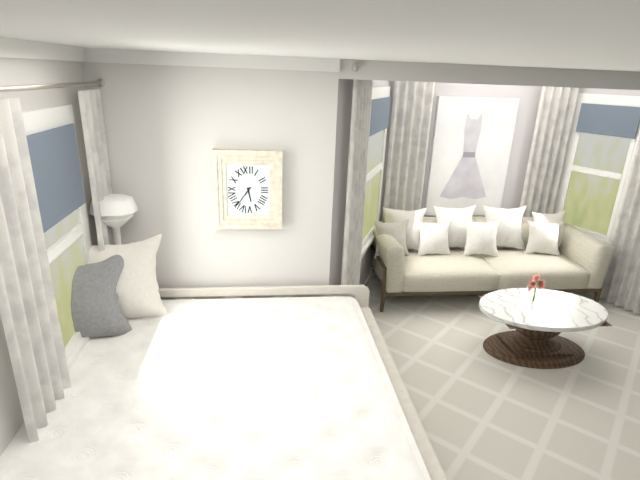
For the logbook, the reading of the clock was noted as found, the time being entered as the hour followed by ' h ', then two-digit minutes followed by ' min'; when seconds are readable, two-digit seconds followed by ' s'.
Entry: 5 h 36 min
